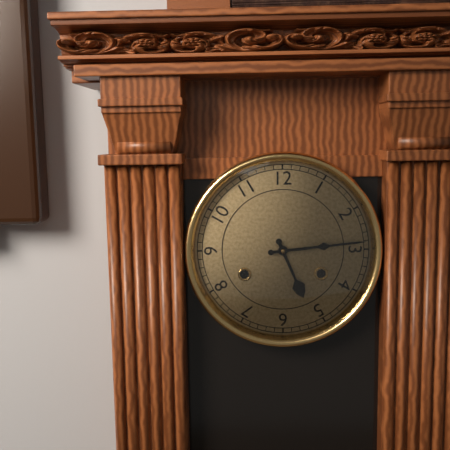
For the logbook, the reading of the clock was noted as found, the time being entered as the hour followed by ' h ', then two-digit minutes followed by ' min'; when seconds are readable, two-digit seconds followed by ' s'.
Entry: 5 h 14 min
